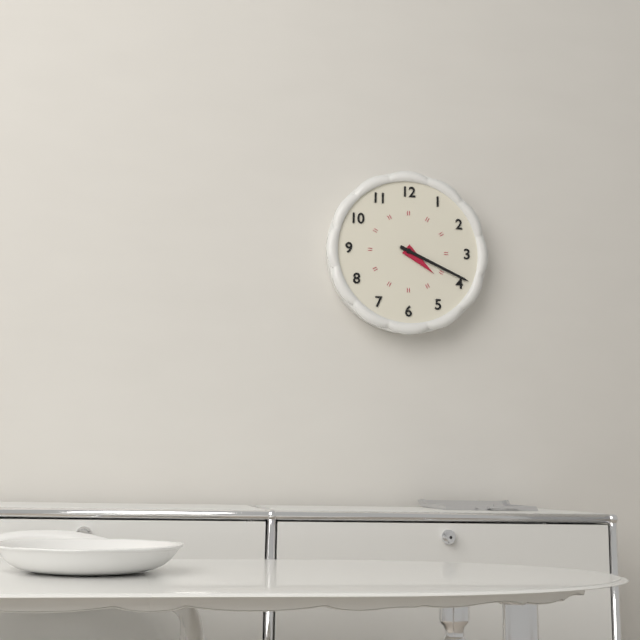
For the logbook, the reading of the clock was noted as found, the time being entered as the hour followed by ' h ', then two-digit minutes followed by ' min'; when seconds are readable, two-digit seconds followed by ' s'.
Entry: 4 h 19 min
